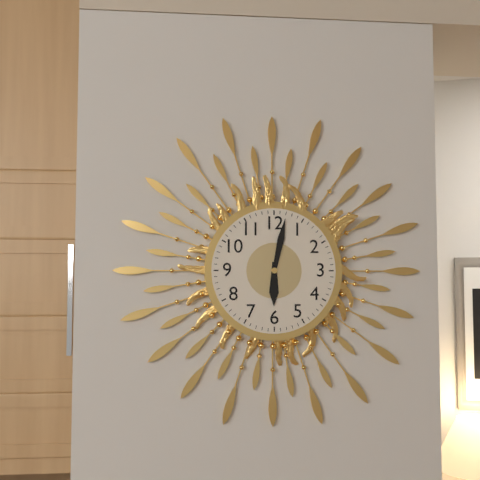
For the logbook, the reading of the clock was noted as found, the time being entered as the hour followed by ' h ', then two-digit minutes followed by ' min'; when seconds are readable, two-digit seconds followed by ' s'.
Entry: 6 h 02 min
